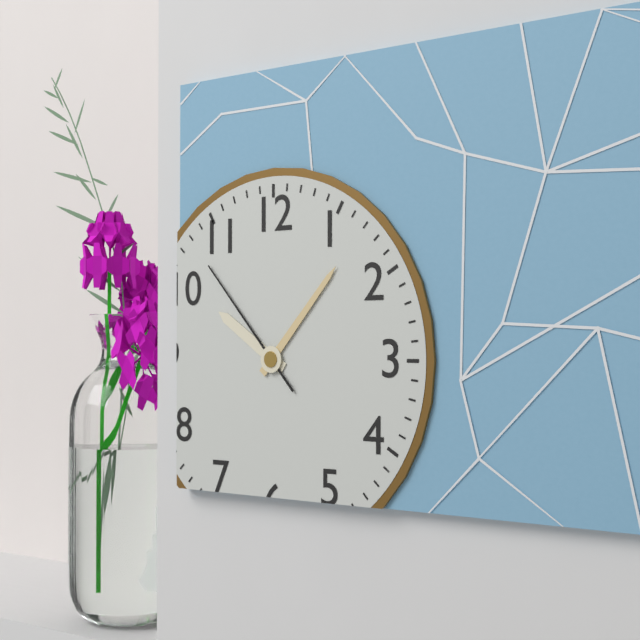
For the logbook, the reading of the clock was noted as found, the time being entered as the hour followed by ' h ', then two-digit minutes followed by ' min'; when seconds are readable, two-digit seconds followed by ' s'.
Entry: 10 h 07 min 53 s
